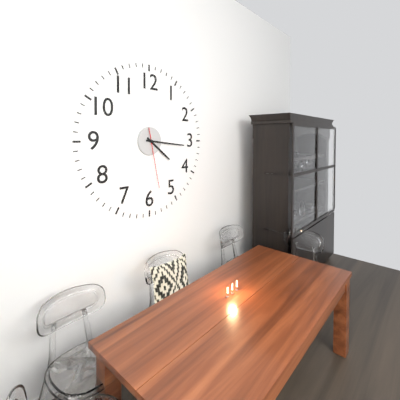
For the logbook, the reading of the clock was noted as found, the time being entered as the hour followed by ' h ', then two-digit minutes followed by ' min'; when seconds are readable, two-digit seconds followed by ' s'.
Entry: 4 h 16 min 28 s
